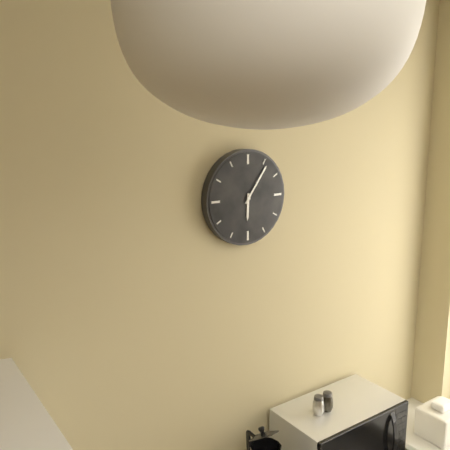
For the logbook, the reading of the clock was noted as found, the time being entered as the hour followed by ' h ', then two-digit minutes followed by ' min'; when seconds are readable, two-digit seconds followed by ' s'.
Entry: 6 h 06 min
